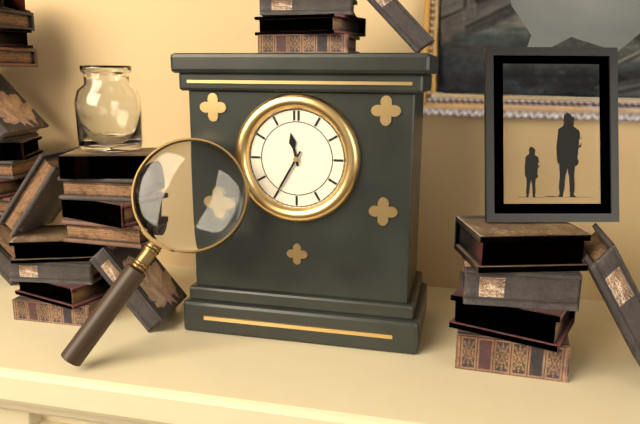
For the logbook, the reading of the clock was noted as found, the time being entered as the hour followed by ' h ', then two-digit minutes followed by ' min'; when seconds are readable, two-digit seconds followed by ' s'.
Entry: 11 h 35 min
